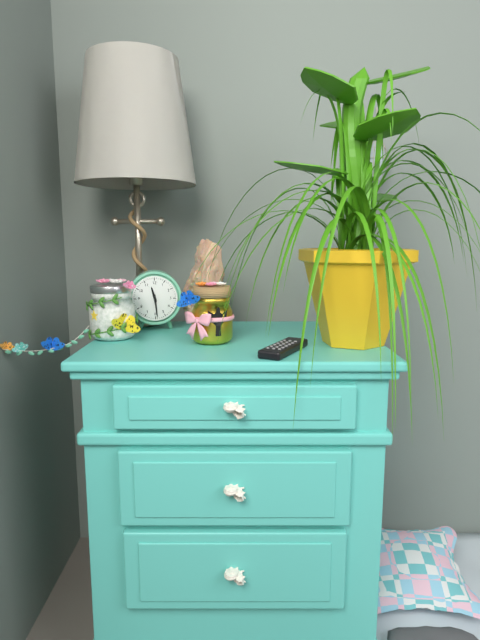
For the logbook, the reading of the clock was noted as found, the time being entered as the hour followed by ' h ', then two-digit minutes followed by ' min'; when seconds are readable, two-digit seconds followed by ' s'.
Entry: 11 h 29 min
